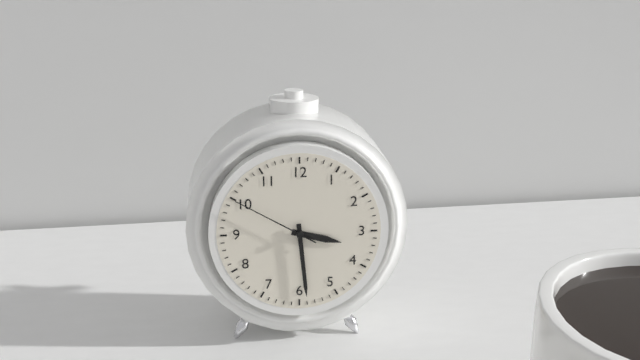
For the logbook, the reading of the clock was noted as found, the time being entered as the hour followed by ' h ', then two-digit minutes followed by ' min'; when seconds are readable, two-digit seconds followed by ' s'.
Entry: 3 h 29 min 50 s
